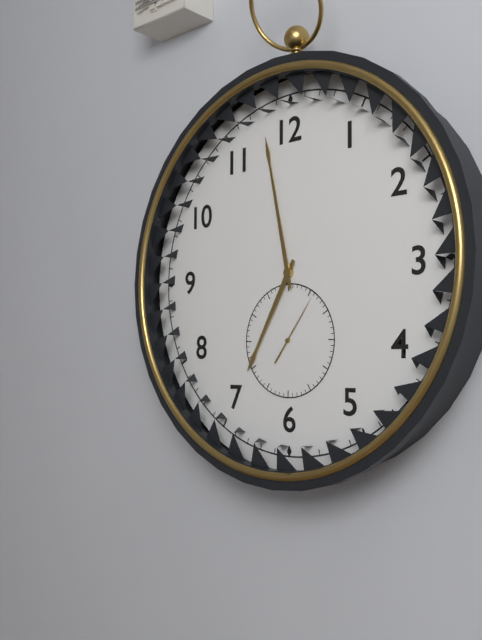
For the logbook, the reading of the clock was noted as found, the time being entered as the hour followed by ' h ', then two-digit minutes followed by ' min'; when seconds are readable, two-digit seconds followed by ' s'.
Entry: 6 h 58 min 06 s
